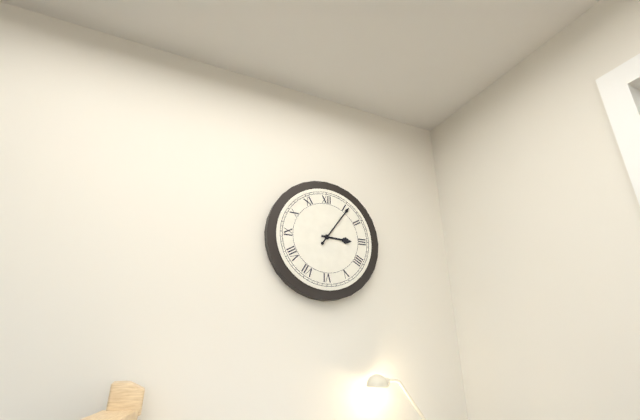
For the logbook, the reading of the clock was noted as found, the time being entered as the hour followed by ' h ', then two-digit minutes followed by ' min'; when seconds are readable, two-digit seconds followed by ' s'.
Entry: 3 h 06 min
